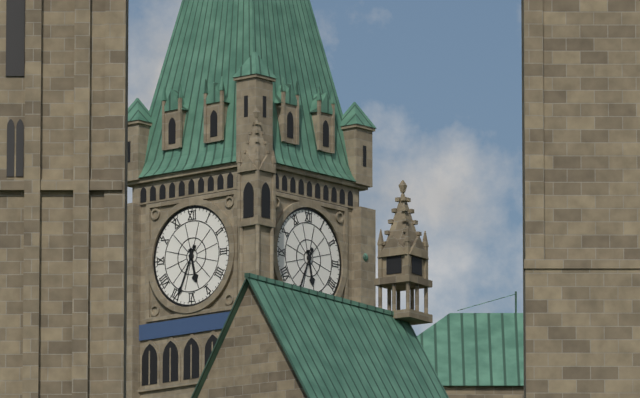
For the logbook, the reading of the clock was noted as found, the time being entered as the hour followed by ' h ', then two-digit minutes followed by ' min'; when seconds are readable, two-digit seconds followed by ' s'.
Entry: 5 h 34 min
